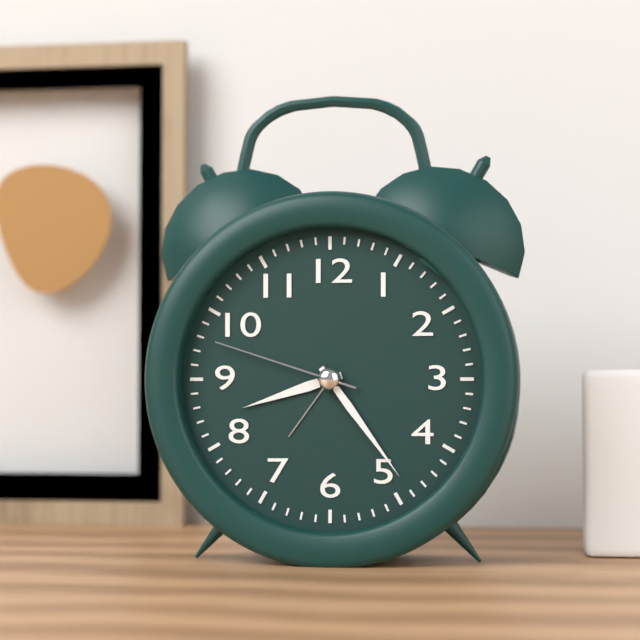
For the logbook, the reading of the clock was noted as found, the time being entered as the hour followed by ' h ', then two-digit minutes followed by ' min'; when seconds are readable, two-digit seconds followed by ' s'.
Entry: 8 h 24 min 48 s
